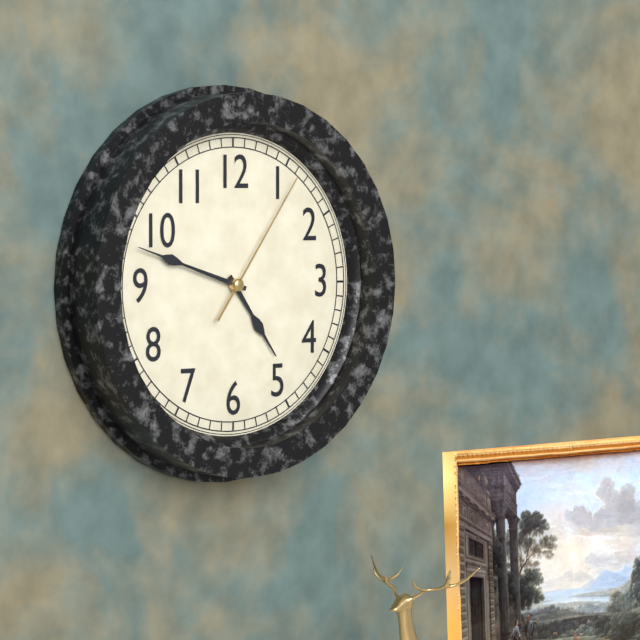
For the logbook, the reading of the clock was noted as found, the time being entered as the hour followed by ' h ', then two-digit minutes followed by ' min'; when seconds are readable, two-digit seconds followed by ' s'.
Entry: 4 h 48 min 06 s
